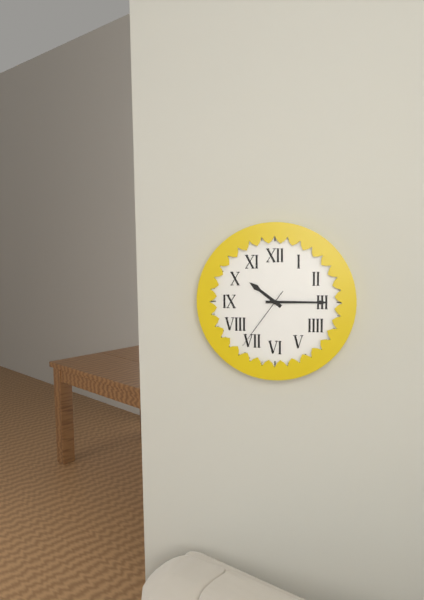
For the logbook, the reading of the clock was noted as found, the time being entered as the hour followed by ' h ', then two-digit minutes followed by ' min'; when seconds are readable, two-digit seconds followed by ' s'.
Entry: 10 h 15 min 36 s
